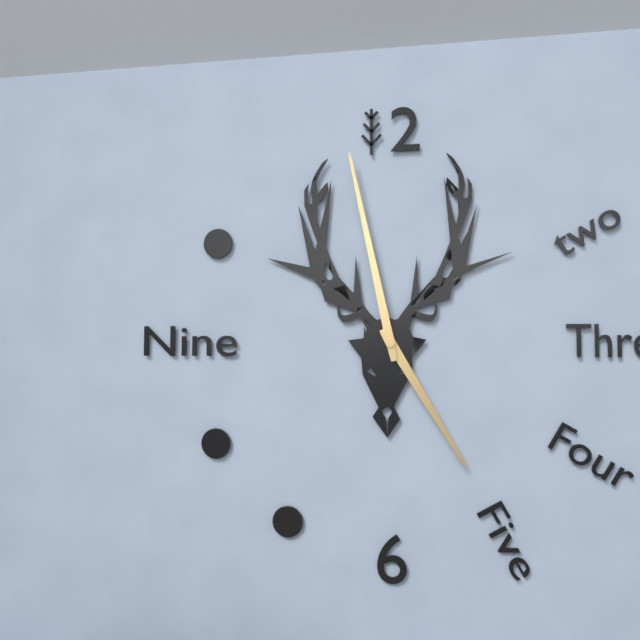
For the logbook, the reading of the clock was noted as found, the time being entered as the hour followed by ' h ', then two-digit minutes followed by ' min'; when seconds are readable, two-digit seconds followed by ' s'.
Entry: 4 h 58 min
